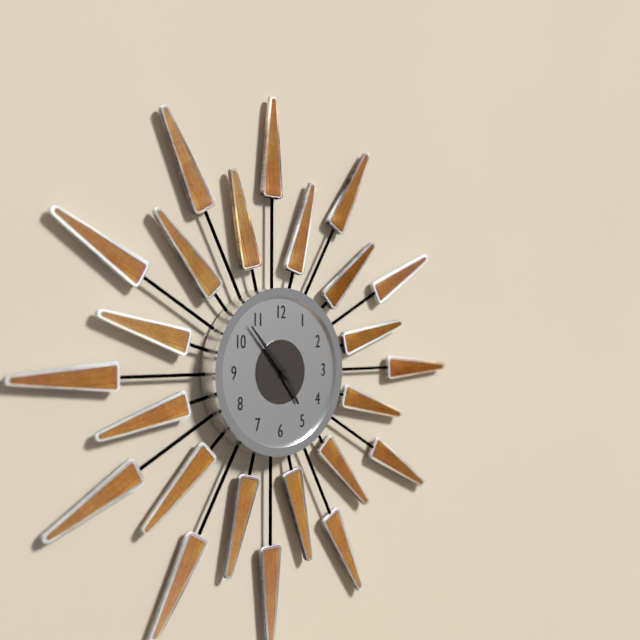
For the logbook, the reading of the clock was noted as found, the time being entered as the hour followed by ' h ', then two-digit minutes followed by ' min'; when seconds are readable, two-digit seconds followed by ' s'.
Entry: 4 h 53 min
